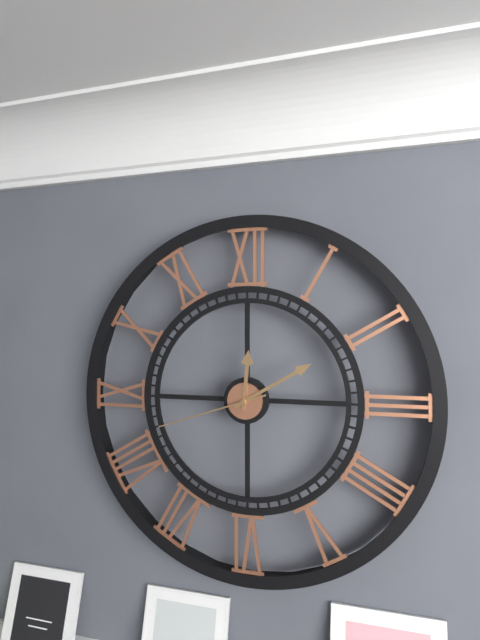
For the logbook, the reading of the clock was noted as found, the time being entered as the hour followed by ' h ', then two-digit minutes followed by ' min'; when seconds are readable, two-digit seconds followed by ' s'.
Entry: 12 h 10 min 42 s
